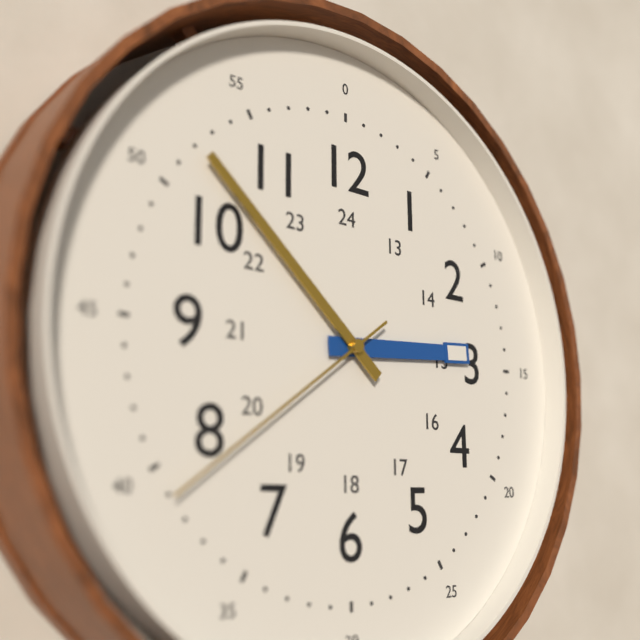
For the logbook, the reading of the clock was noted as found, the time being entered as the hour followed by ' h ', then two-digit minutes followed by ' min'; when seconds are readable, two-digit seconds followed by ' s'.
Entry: 2 h 52 min 39 s
